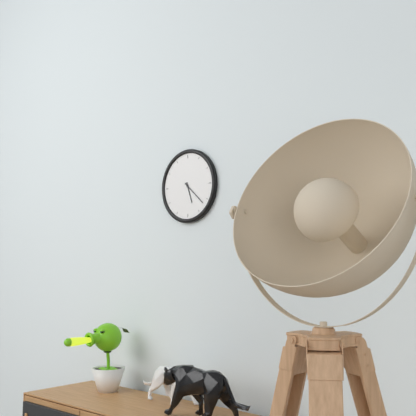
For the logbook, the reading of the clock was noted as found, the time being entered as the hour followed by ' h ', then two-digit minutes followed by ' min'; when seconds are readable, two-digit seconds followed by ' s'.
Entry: 5 h 22 min
